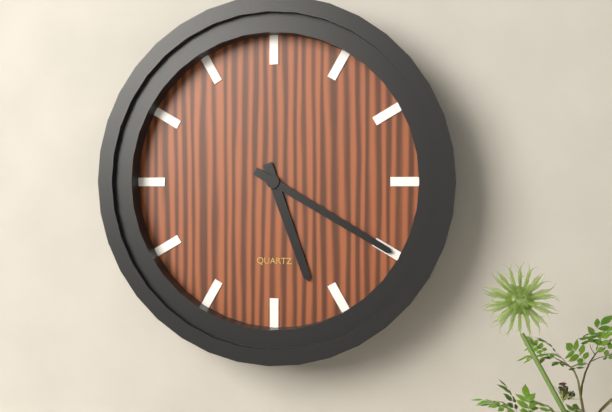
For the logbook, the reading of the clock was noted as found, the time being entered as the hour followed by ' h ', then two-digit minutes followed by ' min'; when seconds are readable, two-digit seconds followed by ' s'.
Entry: 5 h 20 min
